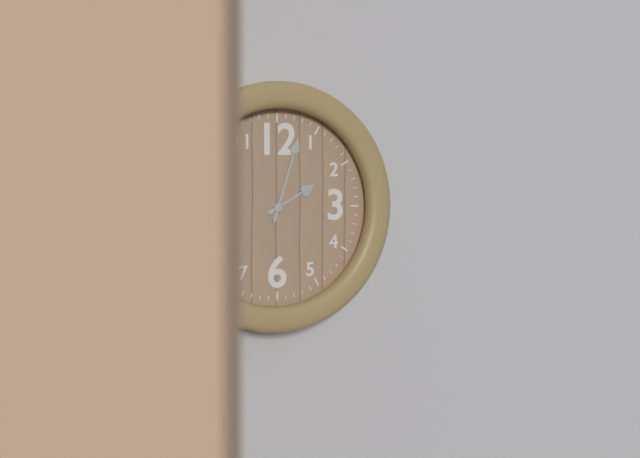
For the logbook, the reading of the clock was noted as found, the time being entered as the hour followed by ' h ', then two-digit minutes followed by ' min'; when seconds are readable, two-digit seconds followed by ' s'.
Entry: 2 h 03 min
